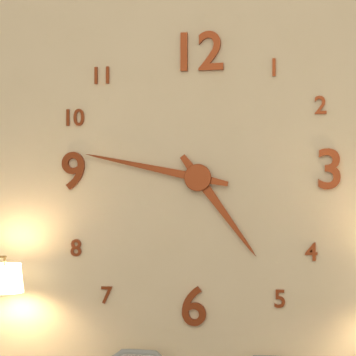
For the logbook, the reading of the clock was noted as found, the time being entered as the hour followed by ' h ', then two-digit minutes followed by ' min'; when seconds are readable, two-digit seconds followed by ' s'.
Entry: 4 h 47 min
